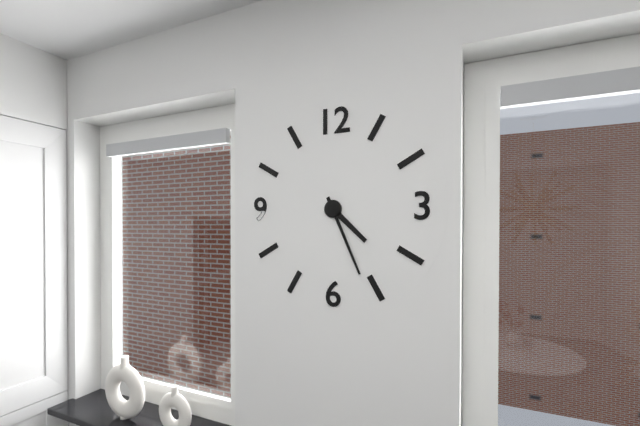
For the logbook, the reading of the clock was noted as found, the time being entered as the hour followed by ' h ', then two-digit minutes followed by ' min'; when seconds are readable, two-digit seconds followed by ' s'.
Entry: 4 h 26 min
